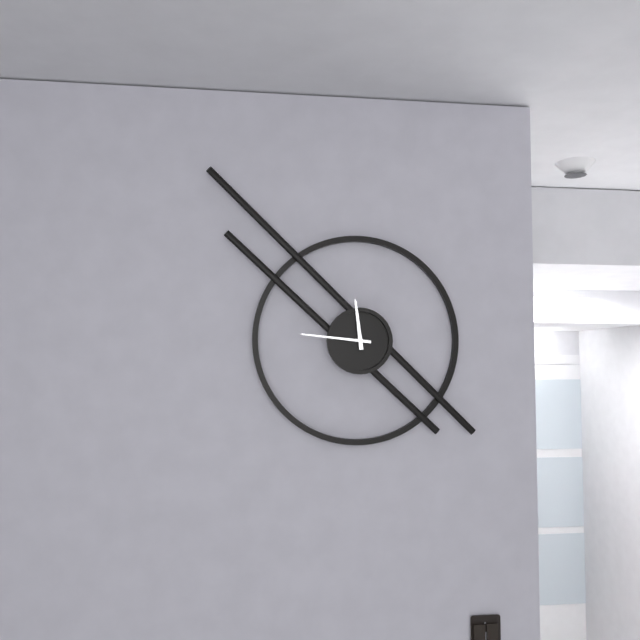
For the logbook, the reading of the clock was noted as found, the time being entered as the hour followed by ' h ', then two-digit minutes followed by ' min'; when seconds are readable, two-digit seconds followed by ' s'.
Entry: 11 h 46 min
